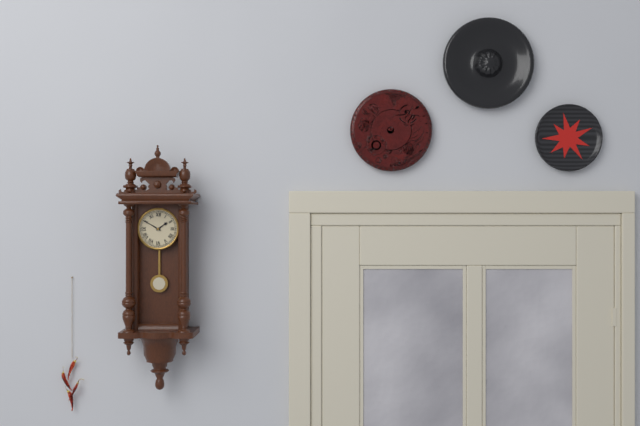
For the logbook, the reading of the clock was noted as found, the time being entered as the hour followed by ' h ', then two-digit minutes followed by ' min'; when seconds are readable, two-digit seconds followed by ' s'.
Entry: 1 h 50 min
